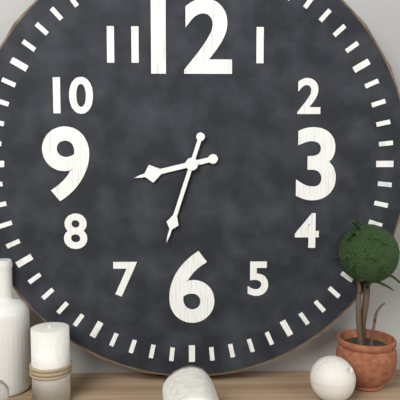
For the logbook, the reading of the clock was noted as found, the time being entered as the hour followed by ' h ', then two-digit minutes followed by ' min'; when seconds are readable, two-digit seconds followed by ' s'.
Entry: 8 h 33 min
